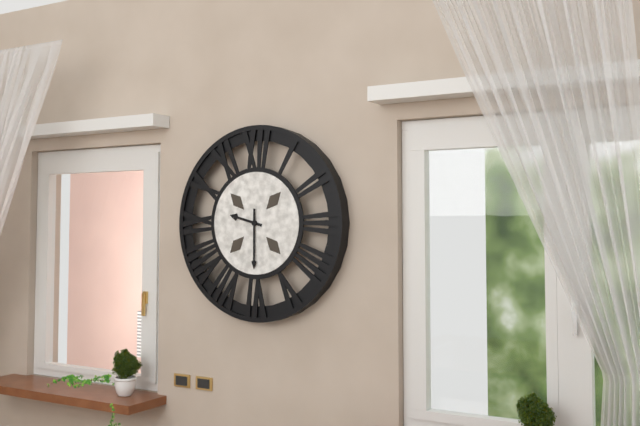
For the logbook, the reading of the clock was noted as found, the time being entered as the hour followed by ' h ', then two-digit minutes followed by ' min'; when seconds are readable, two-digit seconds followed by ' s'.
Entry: 9 h 30 min
